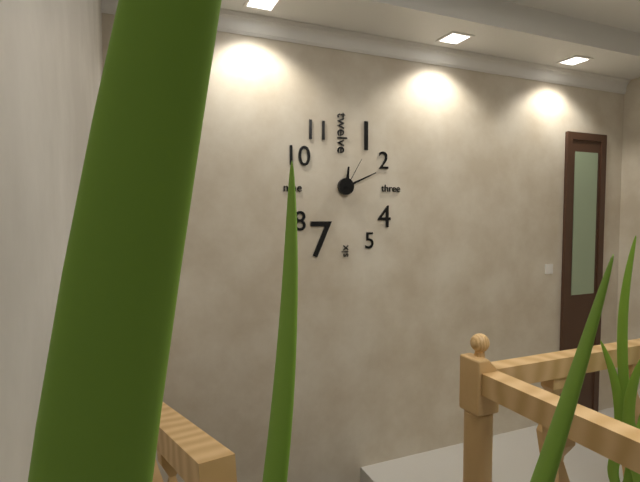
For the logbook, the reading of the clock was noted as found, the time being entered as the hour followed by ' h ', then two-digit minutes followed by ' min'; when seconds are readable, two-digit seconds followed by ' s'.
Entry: 12 h 11 min
